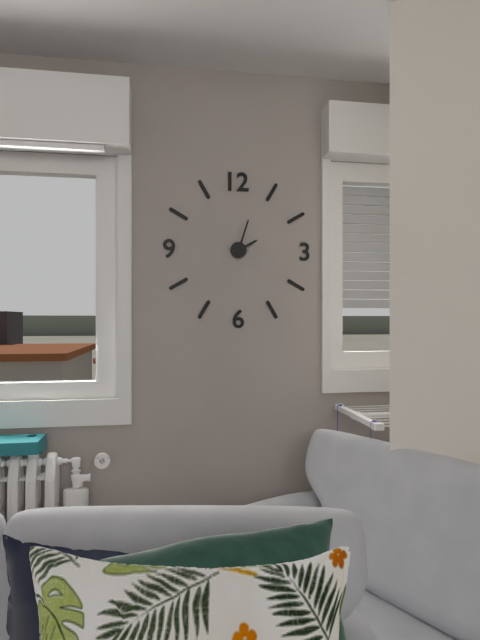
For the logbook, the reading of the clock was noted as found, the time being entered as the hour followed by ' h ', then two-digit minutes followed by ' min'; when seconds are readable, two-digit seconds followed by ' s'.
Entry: 2 h 03 min
